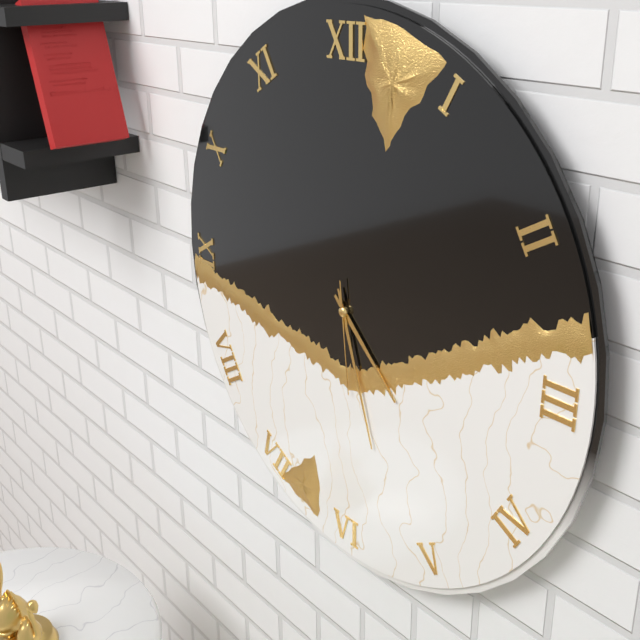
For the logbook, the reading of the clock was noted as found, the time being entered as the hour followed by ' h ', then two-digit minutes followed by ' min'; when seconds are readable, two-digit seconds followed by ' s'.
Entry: 4 h 27 min 29 s
